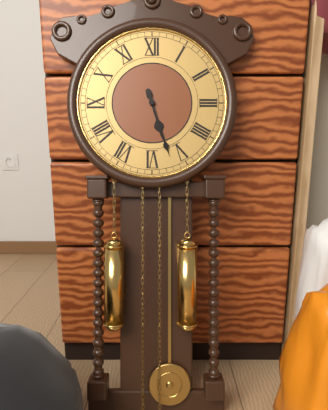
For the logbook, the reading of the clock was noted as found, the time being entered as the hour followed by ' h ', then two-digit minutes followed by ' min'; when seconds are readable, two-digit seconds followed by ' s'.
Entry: 5 h 27 min
